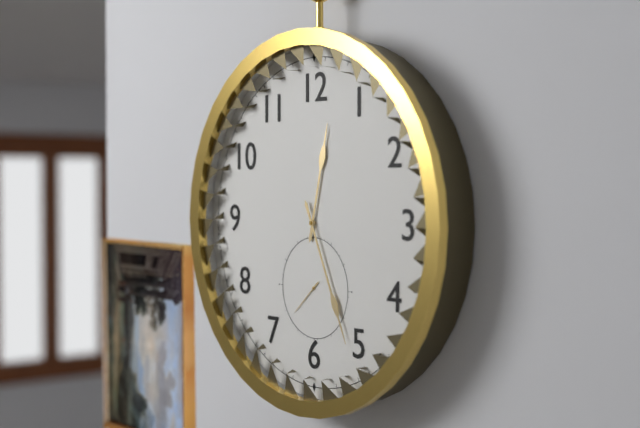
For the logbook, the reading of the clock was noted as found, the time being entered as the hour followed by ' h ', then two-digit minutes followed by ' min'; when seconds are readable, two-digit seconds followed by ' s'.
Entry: 12 h 26 min
